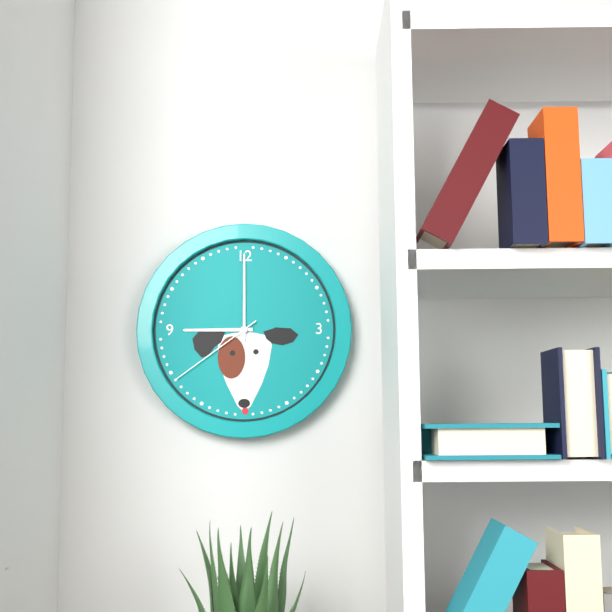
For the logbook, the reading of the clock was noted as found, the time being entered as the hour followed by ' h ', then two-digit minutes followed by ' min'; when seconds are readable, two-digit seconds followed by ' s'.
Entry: 9 h 00 min 39 s
